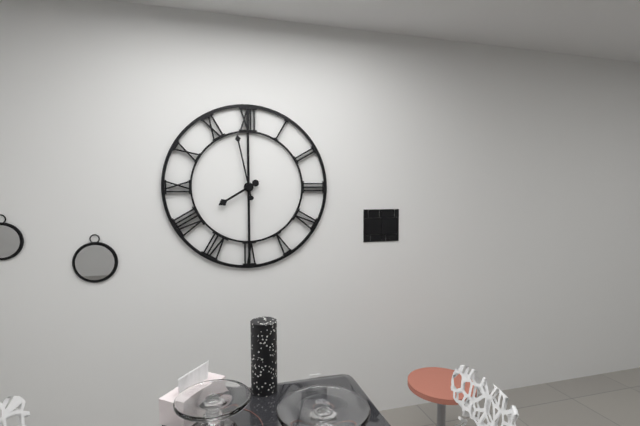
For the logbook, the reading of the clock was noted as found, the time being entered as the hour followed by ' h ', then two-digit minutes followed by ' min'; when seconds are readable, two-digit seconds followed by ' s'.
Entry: 7 h 58 min
